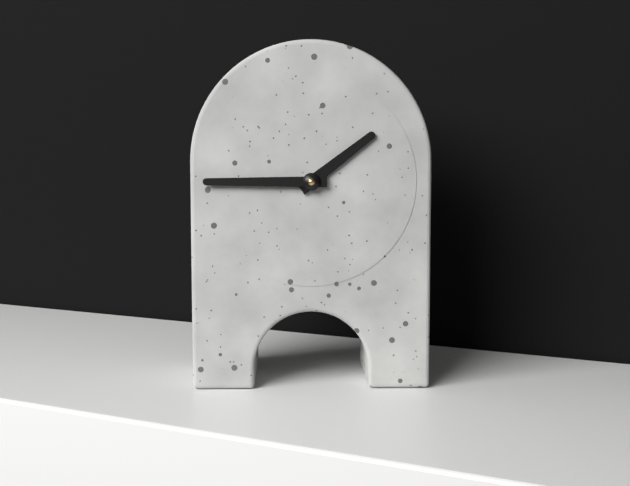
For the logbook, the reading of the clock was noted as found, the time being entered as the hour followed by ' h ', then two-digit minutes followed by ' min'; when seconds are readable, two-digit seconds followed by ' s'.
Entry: 1 h 45 min
